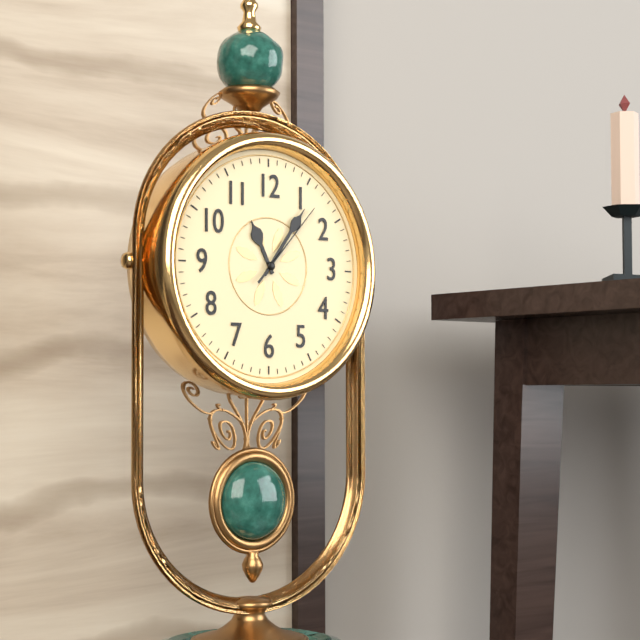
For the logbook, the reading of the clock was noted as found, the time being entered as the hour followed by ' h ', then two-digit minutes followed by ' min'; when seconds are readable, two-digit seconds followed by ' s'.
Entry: 11 h 06 min 07 s
